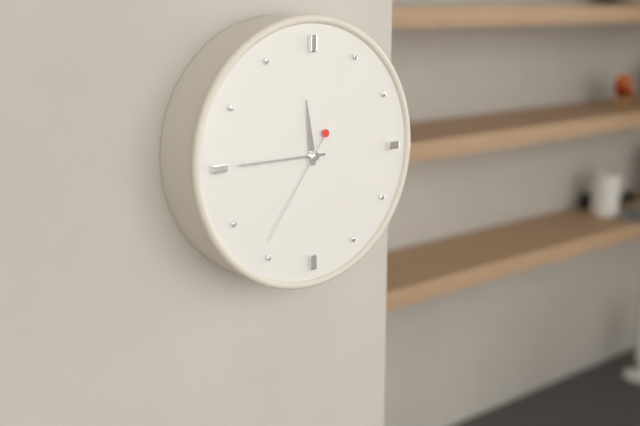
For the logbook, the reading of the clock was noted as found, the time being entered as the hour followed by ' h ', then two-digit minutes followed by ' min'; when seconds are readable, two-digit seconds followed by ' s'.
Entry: 11 h 45 min 36 s
